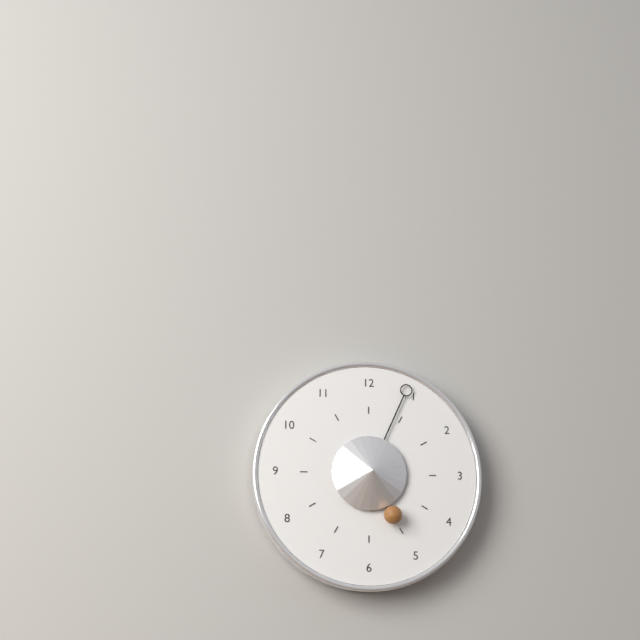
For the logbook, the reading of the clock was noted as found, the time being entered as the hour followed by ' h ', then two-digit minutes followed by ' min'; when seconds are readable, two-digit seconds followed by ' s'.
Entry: 5 h 04 min
